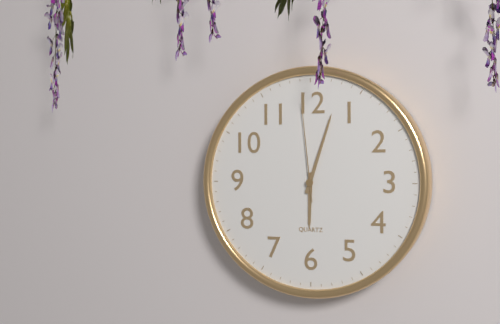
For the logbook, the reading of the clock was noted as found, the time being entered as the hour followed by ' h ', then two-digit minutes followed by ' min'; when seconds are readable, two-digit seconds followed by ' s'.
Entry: 6 h 03 min 59 s
